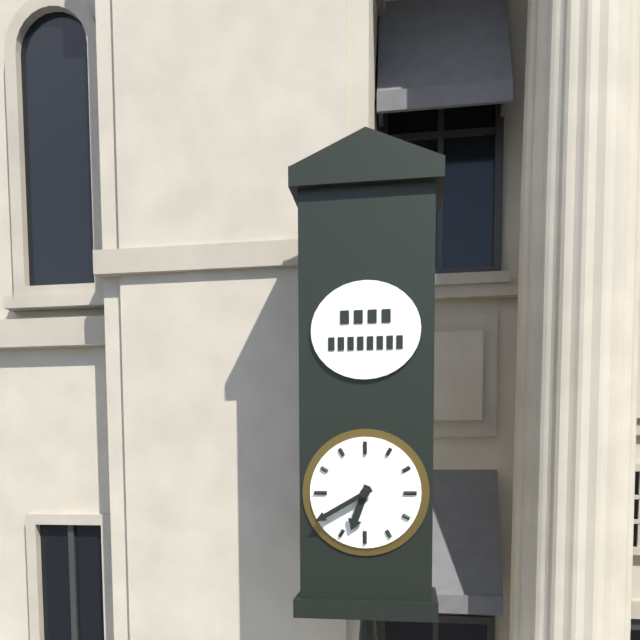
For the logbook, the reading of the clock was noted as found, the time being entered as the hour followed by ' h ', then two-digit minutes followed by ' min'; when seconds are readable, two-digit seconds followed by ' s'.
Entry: 6 h 40 min
